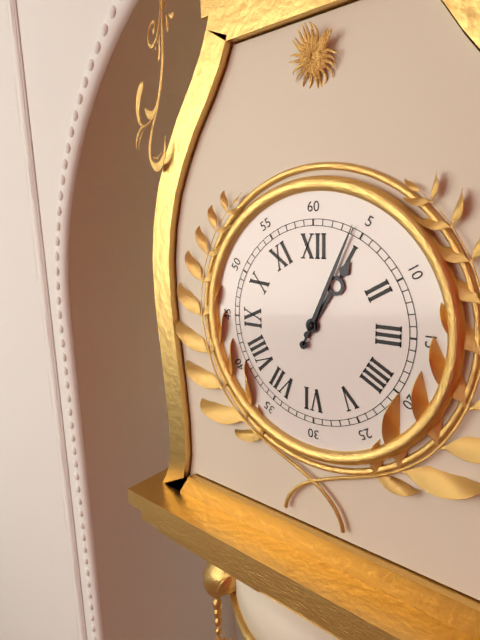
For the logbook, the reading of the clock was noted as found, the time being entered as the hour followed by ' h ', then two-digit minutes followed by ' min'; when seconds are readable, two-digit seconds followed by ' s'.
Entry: 1 h 04 min
